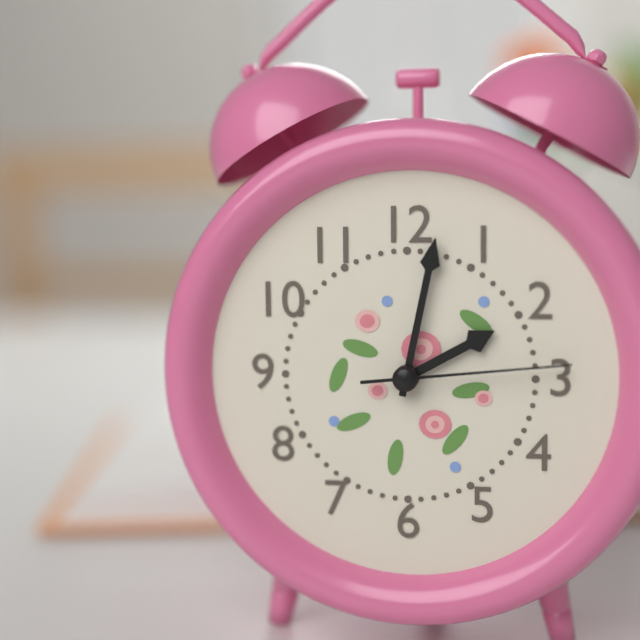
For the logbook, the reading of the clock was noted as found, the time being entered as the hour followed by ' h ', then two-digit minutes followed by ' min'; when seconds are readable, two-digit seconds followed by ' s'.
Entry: 2 h 02 min 14 s
